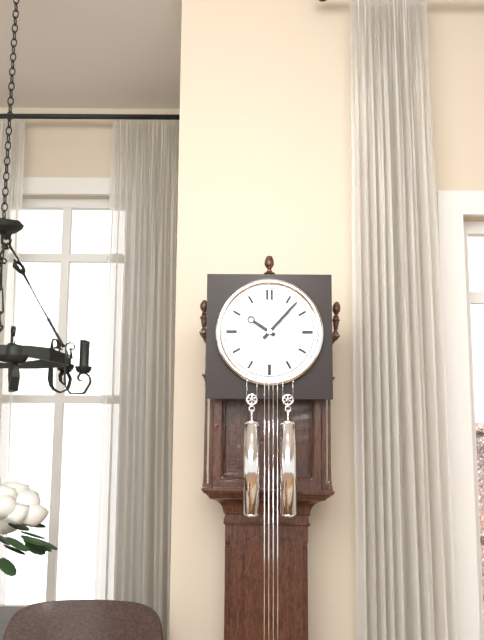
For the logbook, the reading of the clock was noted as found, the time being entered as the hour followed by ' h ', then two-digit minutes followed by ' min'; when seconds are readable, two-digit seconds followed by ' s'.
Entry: 10 h 07 min
